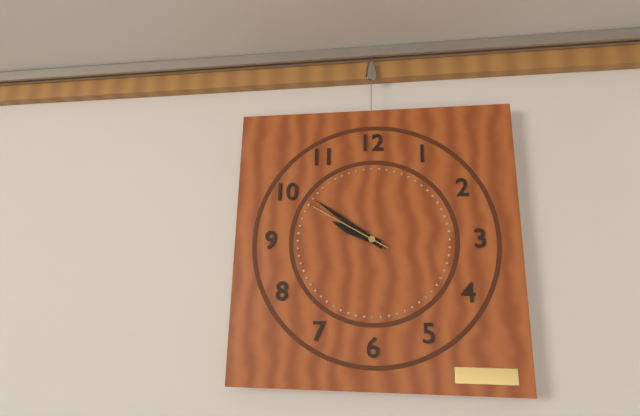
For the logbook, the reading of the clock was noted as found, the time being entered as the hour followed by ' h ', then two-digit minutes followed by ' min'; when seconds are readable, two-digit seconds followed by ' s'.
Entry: 9 h 51 min 50 s
